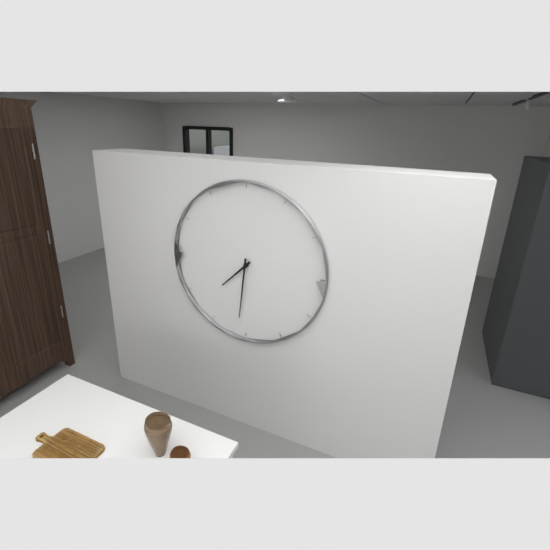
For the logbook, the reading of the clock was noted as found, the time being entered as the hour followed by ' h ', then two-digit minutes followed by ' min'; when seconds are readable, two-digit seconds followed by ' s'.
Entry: 7 h 31 min
